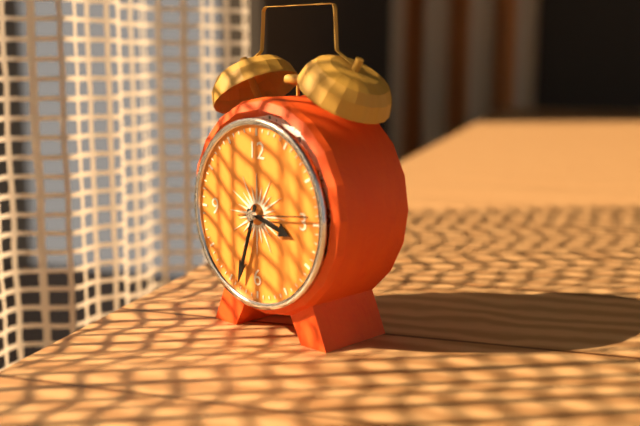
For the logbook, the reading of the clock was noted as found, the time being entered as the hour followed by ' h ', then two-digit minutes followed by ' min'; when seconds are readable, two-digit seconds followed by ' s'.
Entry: 3 h 33 min
